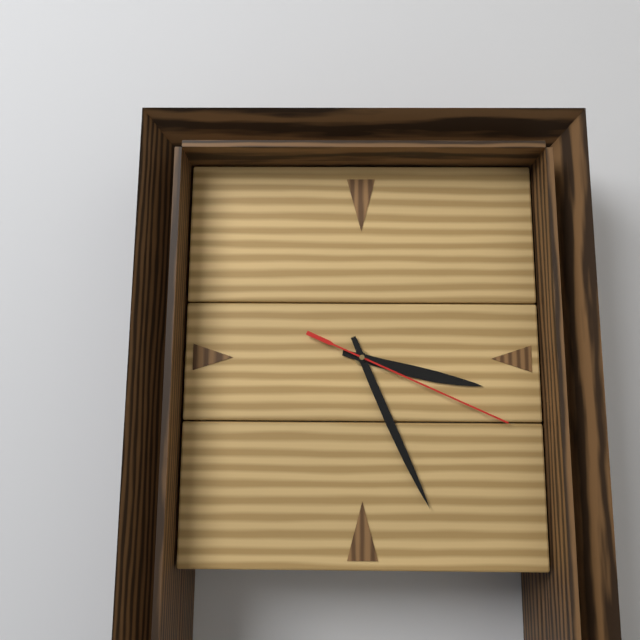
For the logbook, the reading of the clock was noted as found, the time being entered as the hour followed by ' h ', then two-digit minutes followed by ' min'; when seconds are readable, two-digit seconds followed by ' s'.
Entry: 3 h 26 min 19 s
